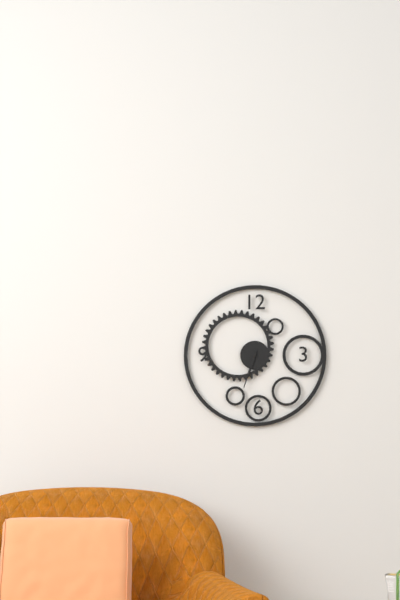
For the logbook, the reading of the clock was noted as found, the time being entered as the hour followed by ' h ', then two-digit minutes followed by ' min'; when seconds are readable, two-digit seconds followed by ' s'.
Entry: 6 h 33 min
